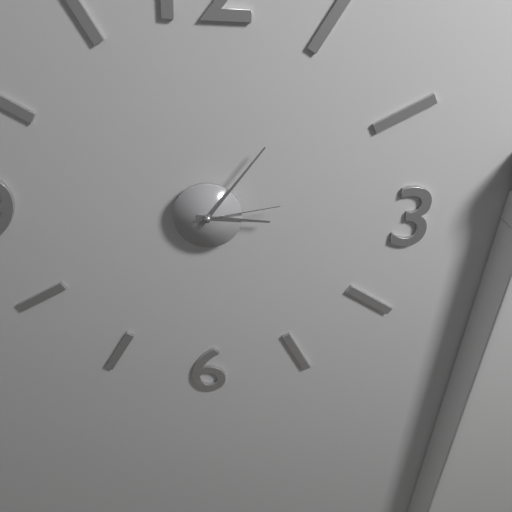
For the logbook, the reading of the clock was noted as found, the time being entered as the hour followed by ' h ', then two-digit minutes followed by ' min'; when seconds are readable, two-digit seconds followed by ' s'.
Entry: 3 h 06 min 13 s
